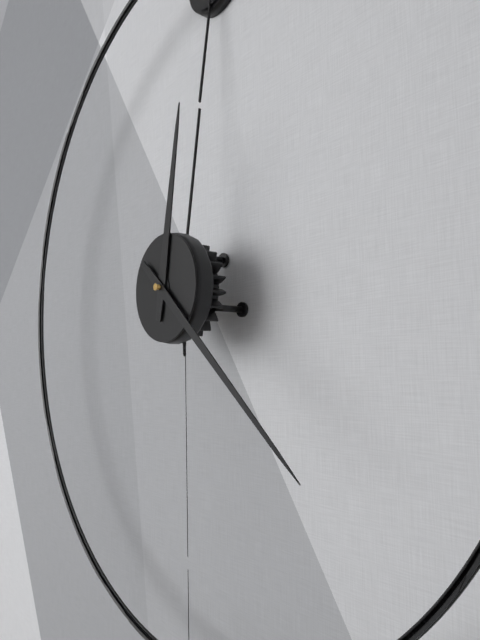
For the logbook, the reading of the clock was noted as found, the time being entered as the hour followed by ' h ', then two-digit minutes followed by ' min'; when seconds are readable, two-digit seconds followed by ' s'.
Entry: 12 h 22 min
